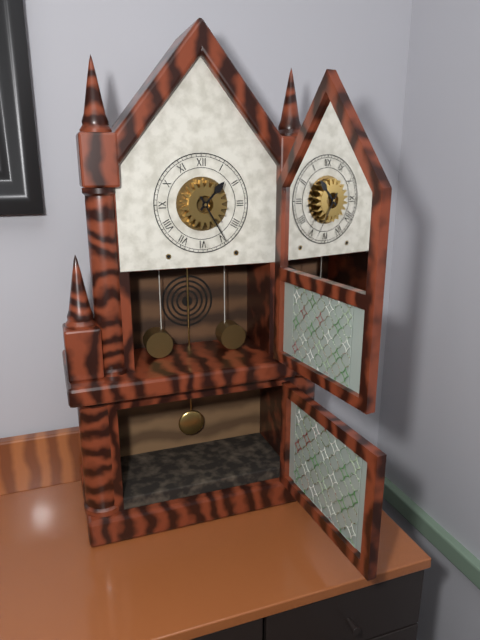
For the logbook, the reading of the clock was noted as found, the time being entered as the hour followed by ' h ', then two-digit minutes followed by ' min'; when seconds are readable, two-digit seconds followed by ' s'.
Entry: 1 h 25 min
